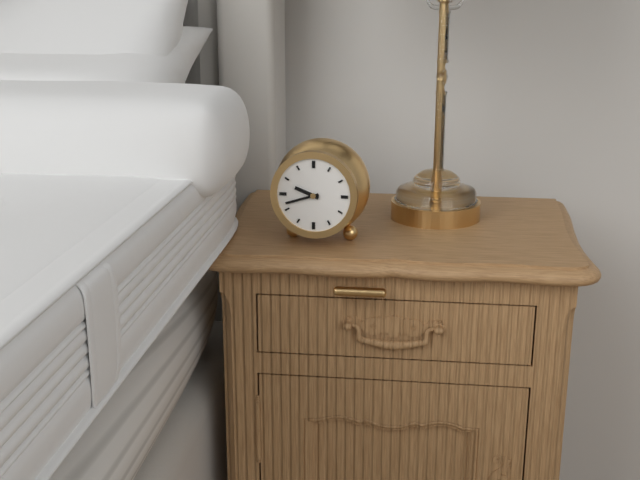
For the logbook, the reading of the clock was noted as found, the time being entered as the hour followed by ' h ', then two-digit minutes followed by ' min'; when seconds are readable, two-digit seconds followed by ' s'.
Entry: 9 h 42 min
